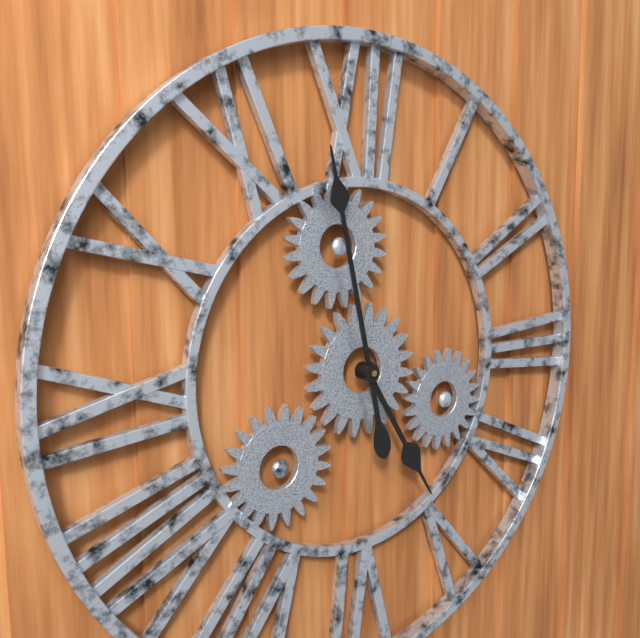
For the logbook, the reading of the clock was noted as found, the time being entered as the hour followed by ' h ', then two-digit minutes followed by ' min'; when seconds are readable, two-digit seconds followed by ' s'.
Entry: 4 h 58 min
